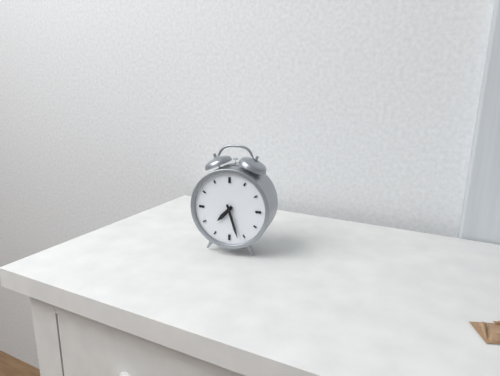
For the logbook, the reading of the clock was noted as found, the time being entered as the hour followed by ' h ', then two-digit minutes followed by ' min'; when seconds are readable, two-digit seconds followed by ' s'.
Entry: 7 h 27 min
